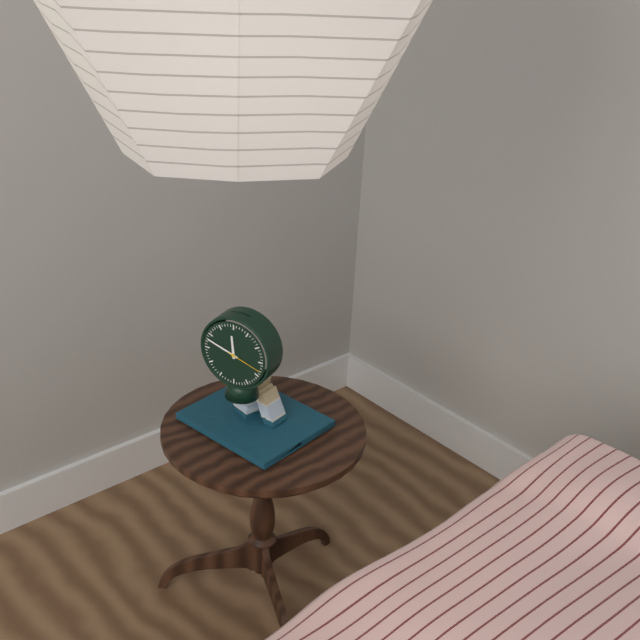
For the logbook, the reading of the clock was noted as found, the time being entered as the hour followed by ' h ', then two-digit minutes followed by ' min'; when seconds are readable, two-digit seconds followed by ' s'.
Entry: 11 h 48 min
